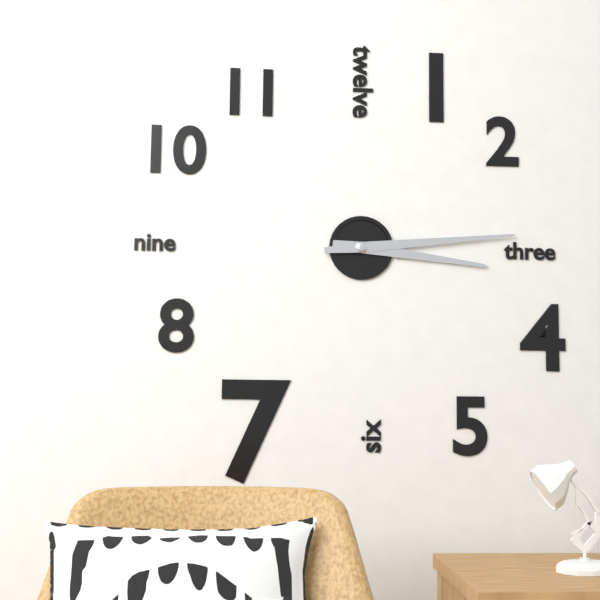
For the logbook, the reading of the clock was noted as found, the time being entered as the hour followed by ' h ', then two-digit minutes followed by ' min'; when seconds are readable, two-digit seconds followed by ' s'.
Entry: 3 h 14 min
